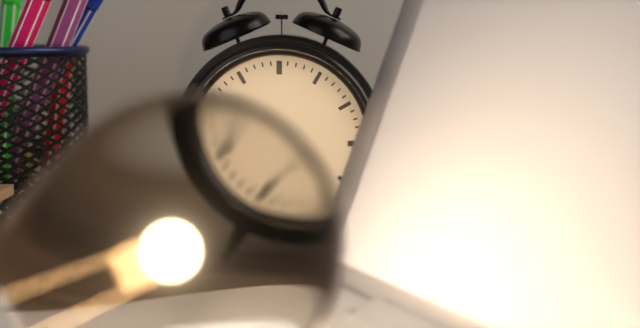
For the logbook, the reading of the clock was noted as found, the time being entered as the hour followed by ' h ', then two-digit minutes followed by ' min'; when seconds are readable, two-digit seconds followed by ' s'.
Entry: 8 h 26 min
